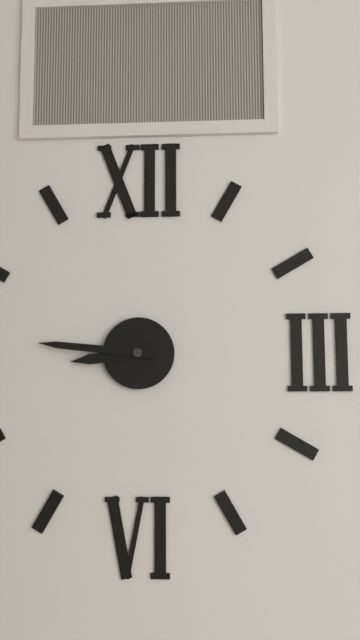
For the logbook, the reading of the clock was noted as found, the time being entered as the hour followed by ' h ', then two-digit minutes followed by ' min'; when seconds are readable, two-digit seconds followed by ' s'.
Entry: 8 h 46 min
